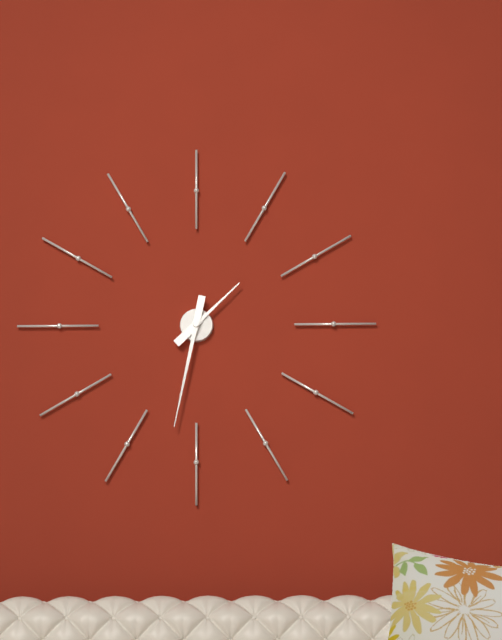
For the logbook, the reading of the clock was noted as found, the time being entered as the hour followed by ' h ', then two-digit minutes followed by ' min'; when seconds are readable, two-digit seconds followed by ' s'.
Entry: 1 h 32 min
